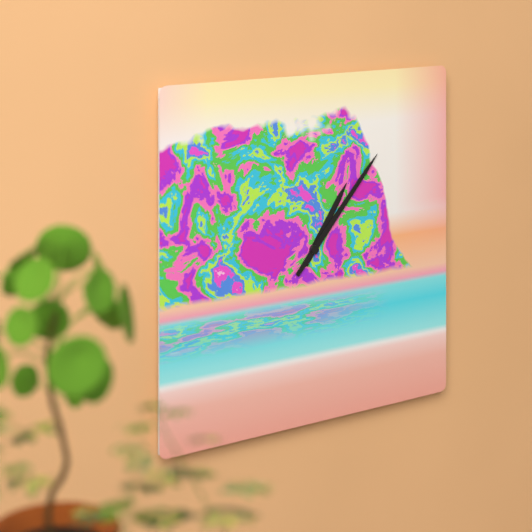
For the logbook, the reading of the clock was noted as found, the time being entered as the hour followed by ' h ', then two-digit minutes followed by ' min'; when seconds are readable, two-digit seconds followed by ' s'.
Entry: 1 h 07 min
